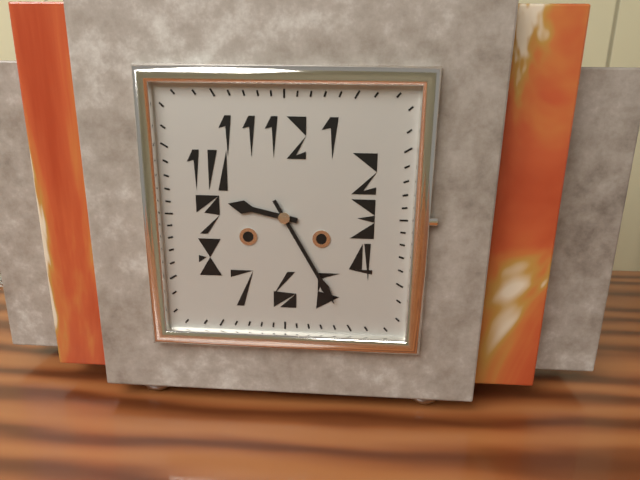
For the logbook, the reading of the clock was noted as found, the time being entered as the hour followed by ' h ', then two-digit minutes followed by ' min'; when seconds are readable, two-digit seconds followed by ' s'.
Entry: 9 h 25 min
